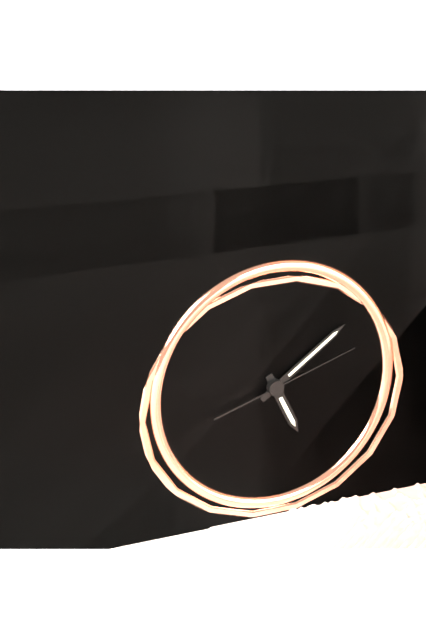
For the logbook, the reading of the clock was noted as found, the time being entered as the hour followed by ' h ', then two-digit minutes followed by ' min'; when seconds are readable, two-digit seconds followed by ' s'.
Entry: 5 h 09 min 12 s
